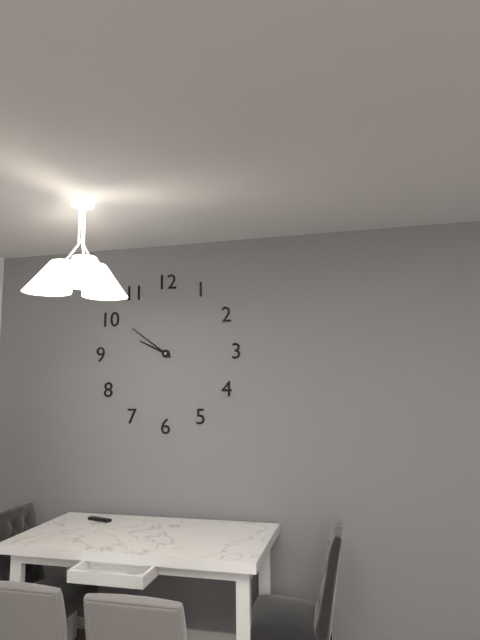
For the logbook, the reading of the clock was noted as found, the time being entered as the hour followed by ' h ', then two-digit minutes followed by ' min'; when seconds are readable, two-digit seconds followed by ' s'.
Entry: 9 h 51 min
